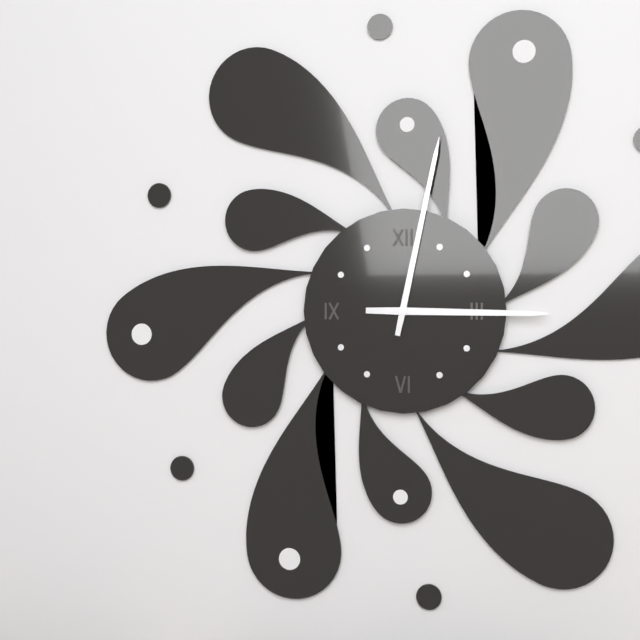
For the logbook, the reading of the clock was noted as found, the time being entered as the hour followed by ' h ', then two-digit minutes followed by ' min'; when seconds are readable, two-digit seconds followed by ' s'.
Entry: 3 h 02 min
